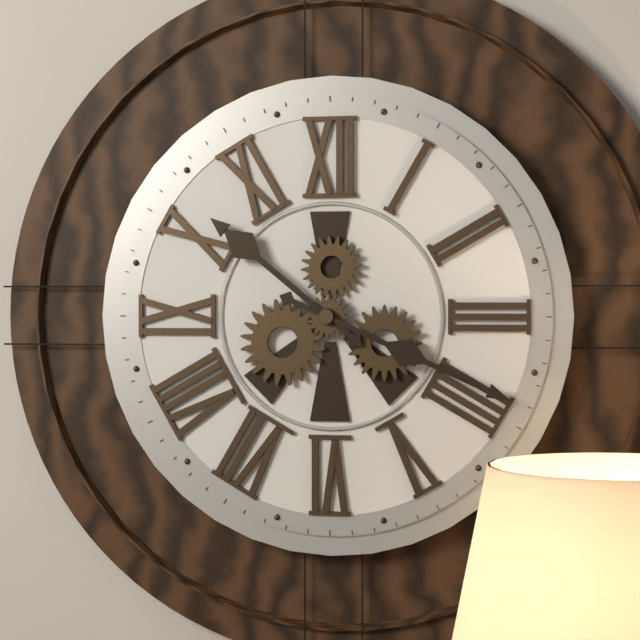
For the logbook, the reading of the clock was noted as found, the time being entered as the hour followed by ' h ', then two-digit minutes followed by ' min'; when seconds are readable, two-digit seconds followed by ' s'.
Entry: 10 h 19 min
